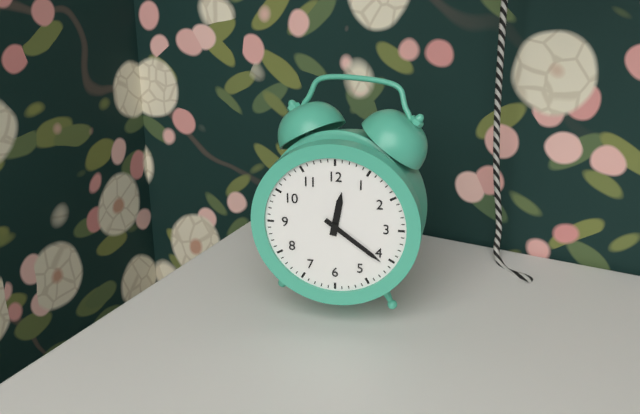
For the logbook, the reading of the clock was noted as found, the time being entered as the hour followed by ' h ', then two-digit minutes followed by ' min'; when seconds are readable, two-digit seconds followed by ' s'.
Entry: 12 h 21 min
